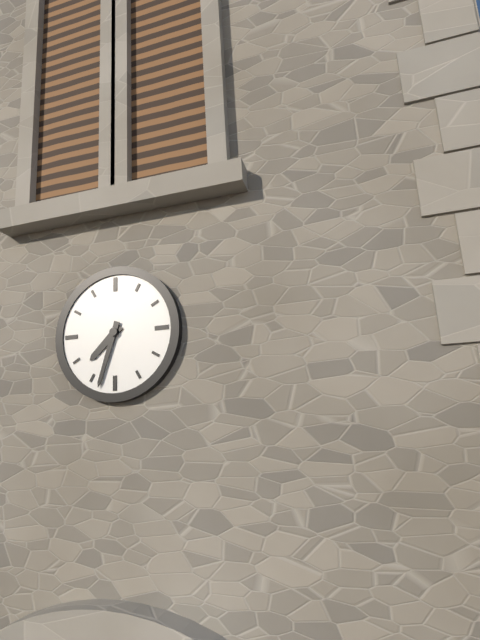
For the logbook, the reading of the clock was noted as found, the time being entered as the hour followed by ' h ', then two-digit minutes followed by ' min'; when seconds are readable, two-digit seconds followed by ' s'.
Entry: 7 h 33 min
